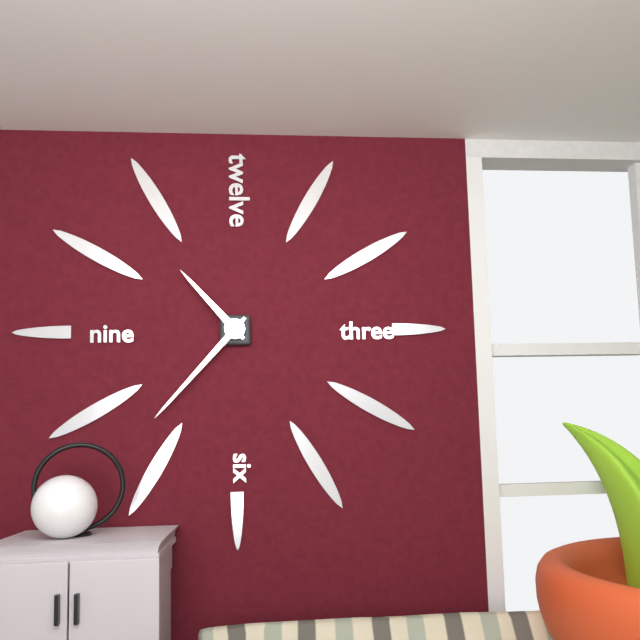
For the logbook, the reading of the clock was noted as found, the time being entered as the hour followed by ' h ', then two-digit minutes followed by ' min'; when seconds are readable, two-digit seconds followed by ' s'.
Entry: 10 h 37 min
